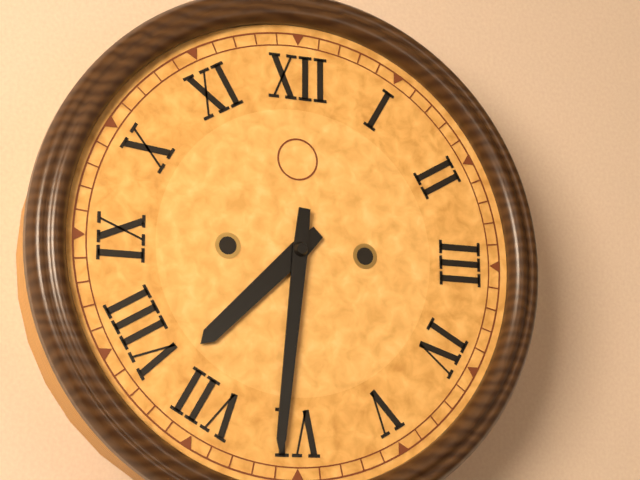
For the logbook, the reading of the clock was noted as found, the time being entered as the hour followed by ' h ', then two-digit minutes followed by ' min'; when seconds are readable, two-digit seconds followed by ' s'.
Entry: 7 h 31 min
